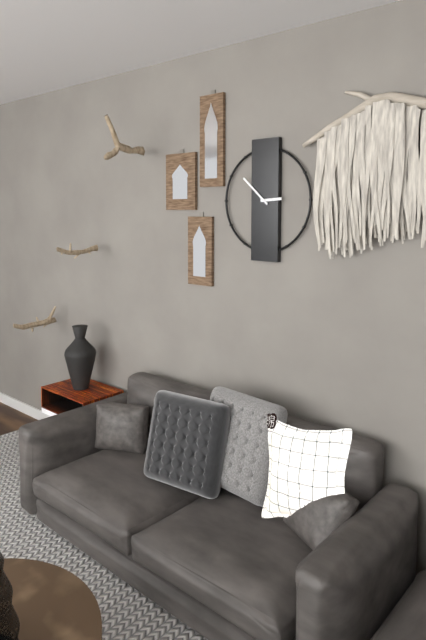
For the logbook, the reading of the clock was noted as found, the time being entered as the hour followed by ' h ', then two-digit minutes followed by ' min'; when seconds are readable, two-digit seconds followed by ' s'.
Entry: 2 h 52 min
